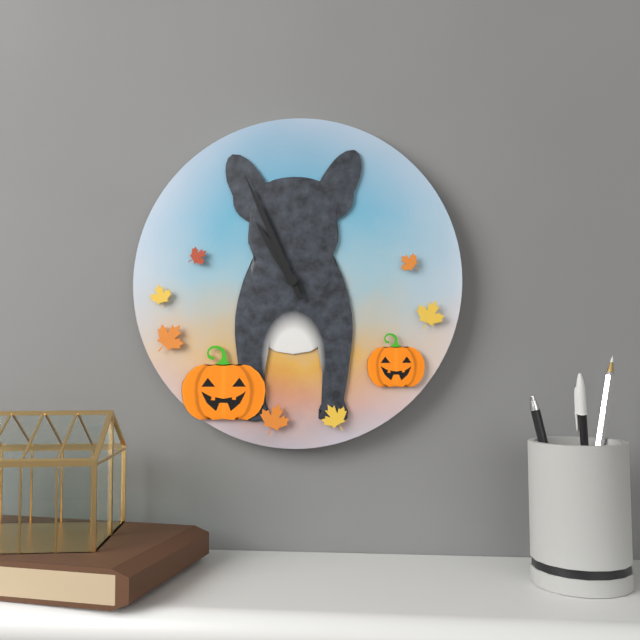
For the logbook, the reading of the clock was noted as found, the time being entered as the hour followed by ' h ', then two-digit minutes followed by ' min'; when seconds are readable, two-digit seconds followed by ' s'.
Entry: 10 h 56 min
